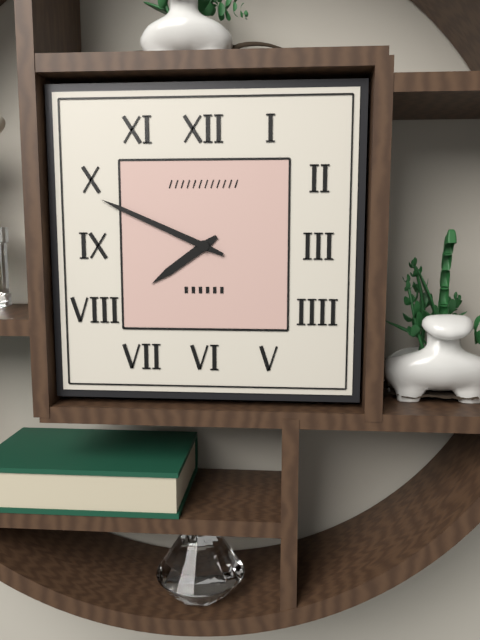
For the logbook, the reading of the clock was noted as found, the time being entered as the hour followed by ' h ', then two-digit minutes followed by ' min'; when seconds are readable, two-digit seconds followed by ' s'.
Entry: 7 h 49 min
